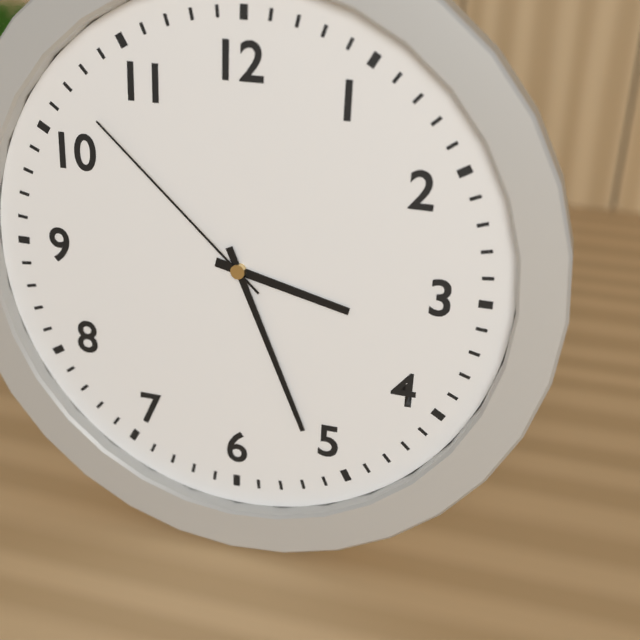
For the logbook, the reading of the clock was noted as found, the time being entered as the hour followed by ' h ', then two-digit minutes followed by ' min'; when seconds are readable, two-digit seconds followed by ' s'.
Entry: 3 h 26 min 52 s
